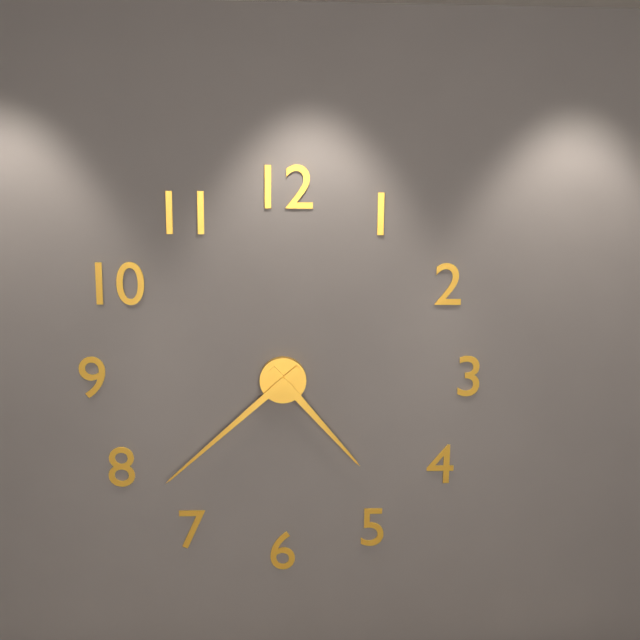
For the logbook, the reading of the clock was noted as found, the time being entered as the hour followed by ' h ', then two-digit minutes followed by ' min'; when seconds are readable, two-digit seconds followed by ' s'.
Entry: 4 h 38 min
